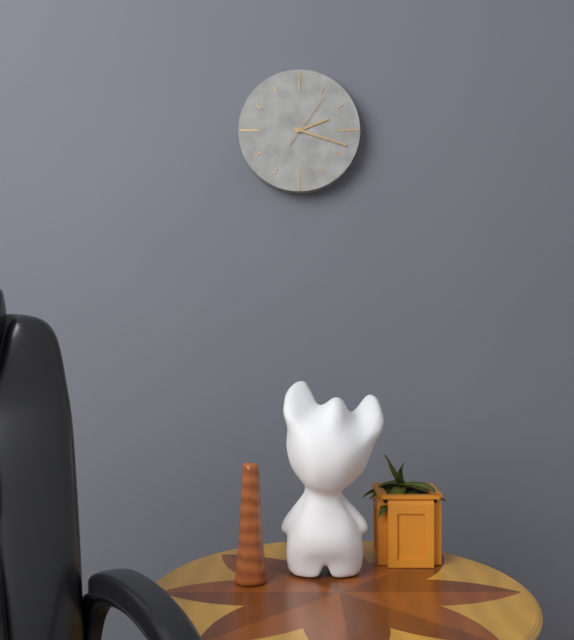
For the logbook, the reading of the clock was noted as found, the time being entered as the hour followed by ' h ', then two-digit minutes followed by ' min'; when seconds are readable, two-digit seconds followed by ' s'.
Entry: 2 h 18 min 06 s
